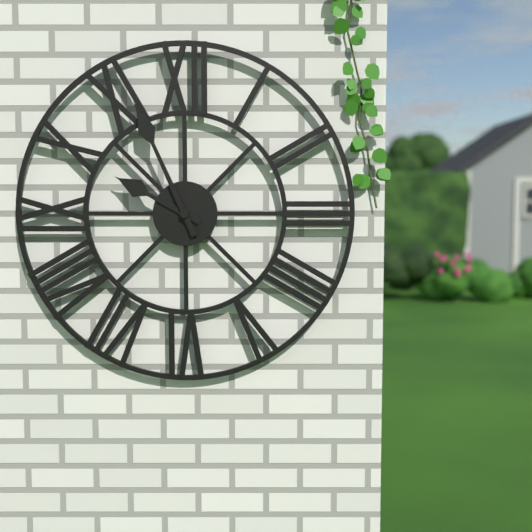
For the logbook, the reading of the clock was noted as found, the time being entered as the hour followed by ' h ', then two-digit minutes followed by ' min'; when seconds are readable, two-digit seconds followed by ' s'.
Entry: 9 h 56 min
